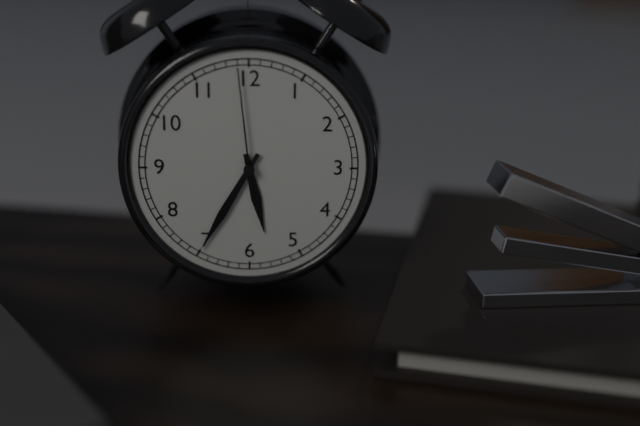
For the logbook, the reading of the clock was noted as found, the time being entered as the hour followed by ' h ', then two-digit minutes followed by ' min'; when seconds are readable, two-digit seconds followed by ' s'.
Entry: 5 h 35 min 59 s
